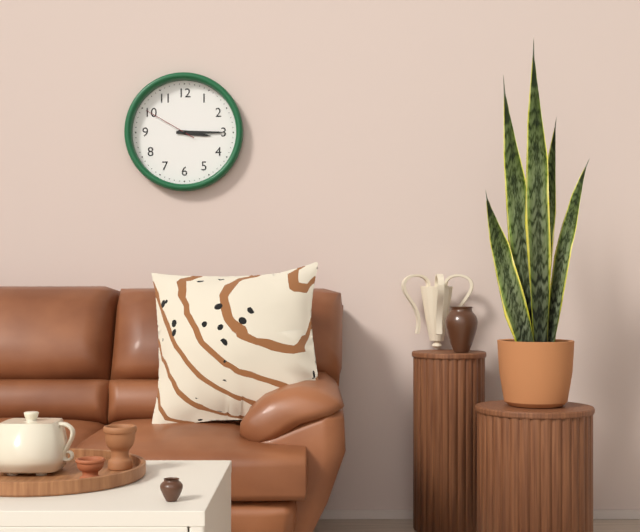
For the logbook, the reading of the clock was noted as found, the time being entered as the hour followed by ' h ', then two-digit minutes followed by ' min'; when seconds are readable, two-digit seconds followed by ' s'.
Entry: 3 h 15 min 50 s
